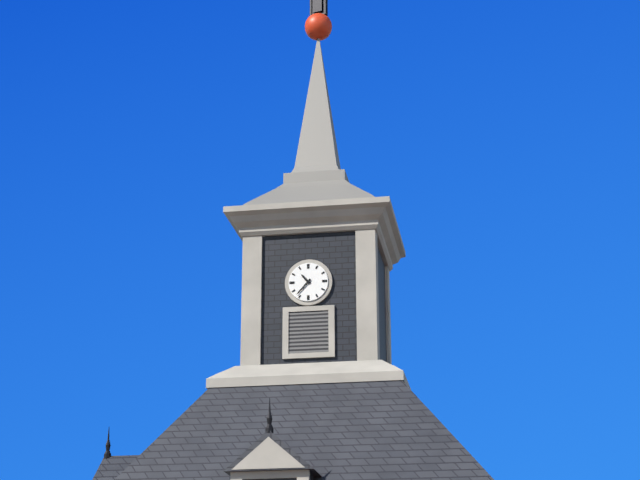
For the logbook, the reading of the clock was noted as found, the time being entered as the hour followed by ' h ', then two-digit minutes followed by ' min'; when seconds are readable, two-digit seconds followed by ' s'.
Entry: 10 h 37 min
